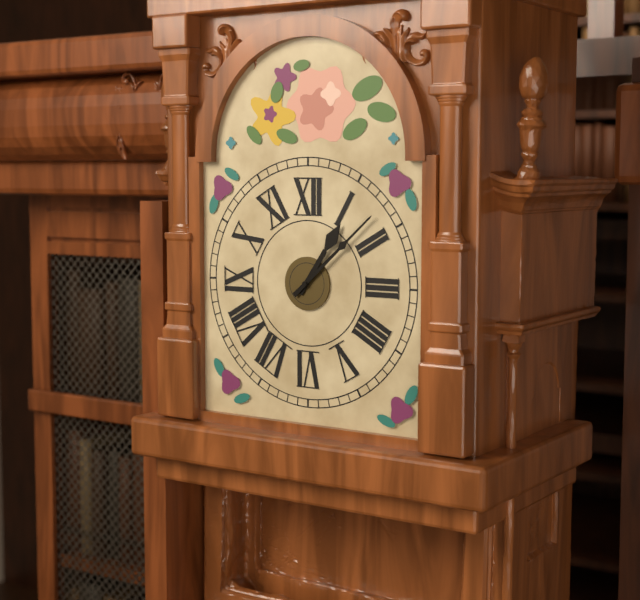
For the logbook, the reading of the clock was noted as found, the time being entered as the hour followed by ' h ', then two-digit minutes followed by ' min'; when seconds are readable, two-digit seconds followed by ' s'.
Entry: 1 h 08 min
